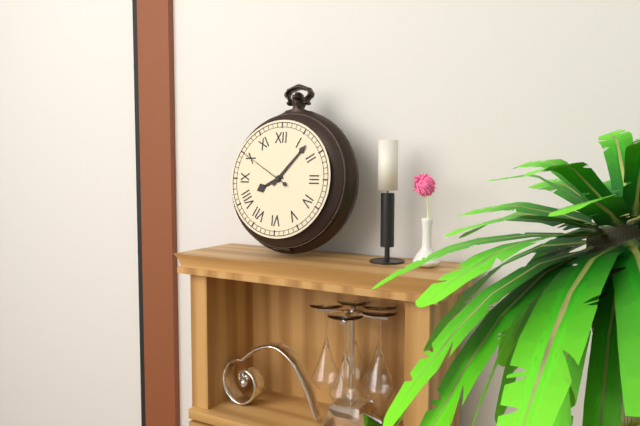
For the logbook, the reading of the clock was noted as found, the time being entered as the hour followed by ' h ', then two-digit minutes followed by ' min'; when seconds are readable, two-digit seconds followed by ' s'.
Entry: 8 h 07 min 50 s
